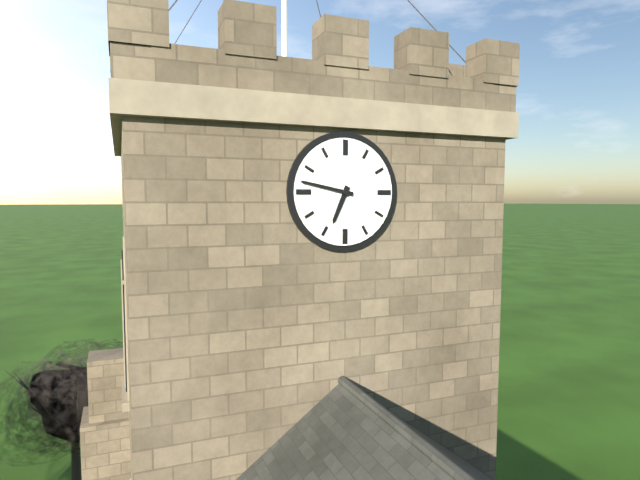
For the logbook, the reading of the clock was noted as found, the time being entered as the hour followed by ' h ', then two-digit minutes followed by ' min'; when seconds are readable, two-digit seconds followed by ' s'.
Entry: 6 h 47 min
